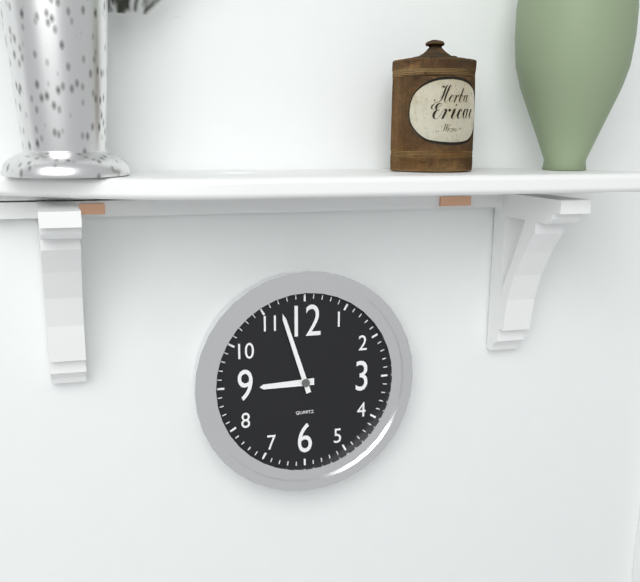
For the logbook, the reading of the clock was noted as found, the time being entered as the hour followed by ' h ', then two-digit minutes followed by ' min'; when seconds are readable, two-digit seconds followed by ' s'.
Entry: 8 h 57 min
